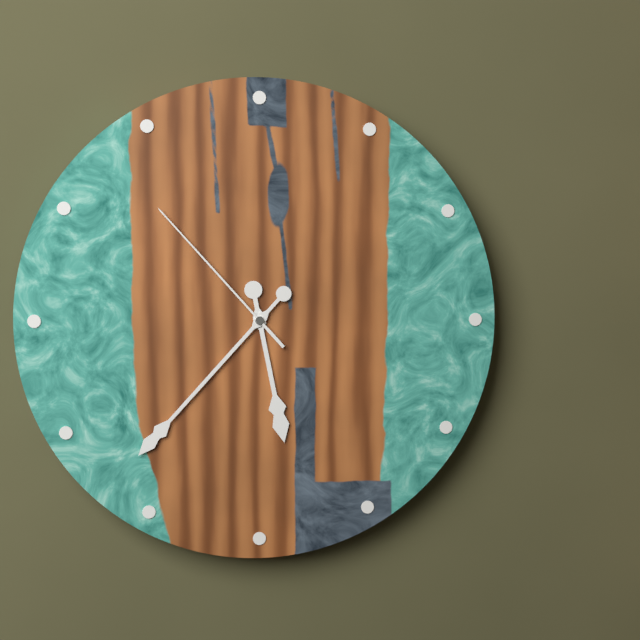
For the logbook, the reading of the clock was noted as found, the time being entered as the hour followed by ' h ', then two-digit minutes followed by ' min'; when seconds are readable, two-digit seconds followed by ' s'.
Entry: 5 h 37 min 53 s
